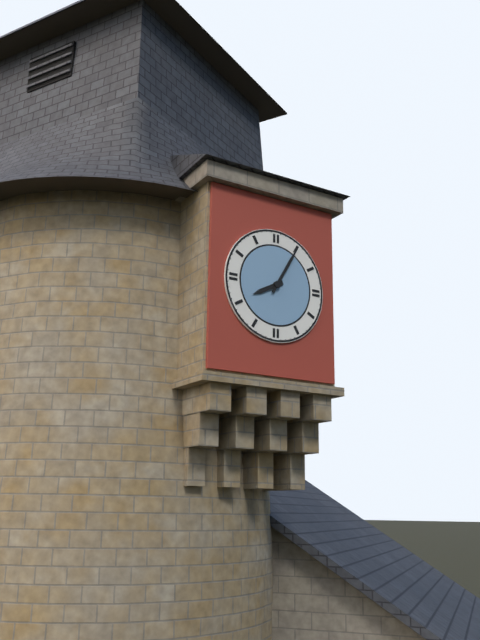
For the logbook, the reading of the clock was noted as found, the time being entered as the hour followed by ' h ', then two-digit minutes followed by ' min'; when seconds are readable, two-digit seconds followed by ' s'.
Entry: 8 h 05 min
